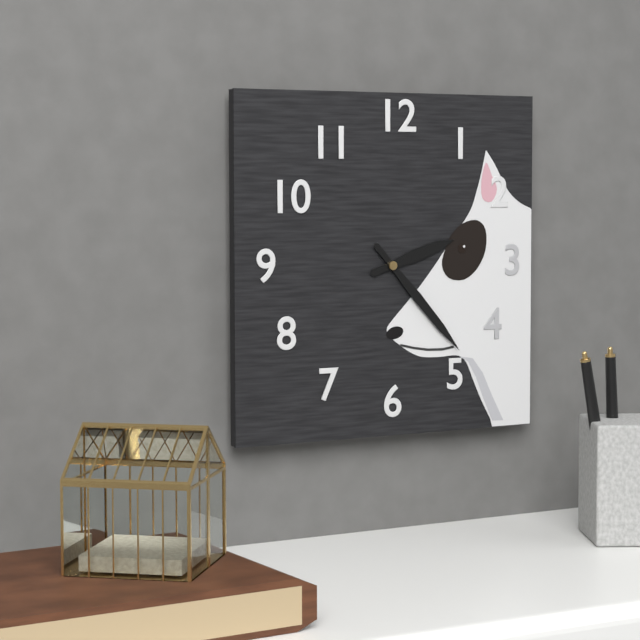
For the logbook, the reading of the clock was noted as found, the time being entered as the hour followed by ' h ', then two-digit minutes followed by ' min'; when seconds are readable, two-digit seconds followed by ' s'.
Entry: 2 h 23 min
